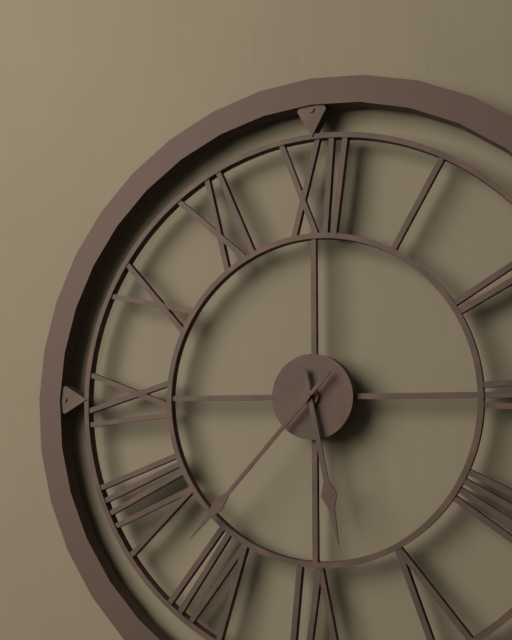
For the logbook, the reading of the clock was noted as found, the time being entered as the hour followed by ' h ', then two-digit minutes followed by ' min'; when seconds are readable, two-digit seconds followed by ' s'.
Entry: 5 h 37 min
